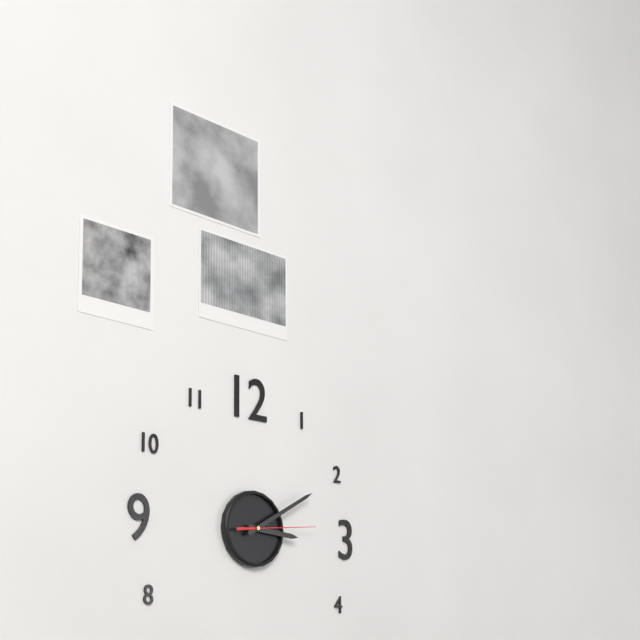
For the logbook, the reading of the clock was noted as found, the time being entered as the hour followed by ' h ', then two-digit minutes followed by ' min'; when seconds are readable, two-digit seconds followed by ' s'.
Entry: 3 h 10 min 14 s
